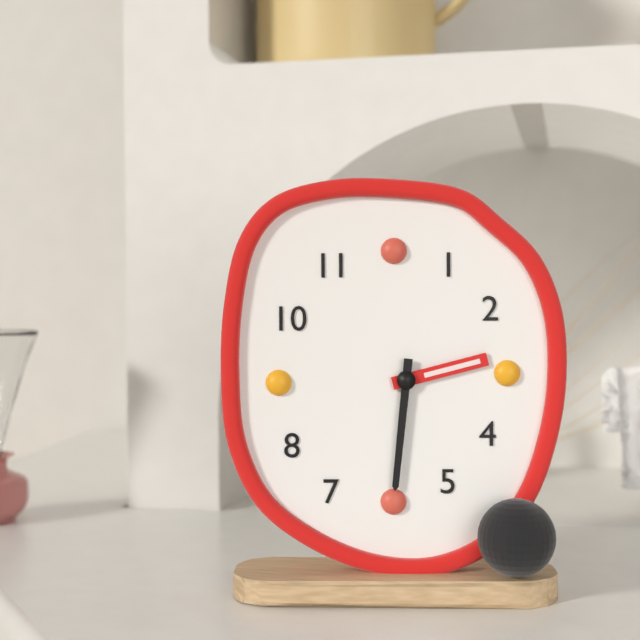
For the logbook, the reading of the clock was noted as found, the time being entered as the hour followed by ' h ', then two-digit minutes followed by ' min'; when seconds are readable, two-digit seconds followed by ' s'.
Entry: 2 h 31 min
